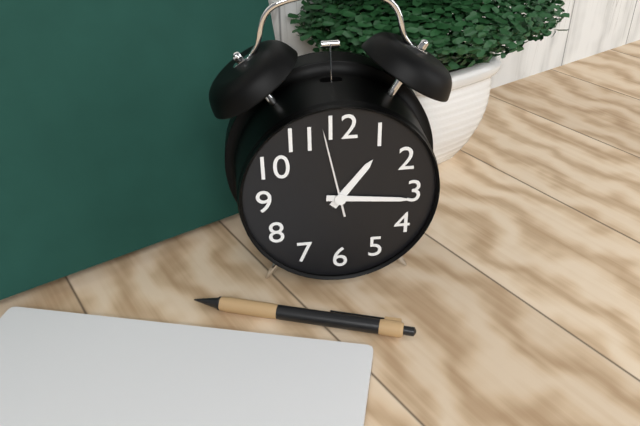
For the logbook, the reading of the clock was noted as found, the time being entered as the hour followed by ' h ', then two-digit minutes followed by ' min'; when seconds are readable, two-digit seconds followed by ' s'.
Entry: 1 h 16 min 58 s
